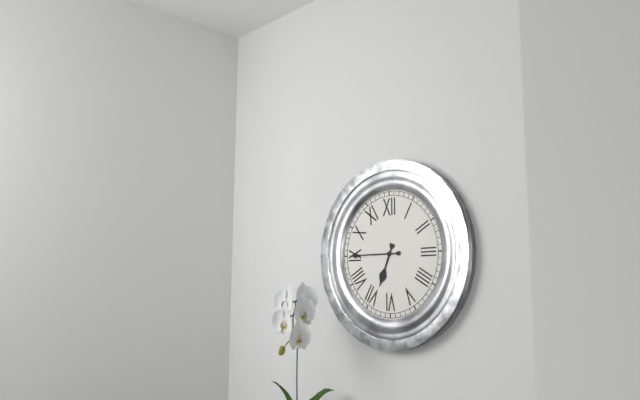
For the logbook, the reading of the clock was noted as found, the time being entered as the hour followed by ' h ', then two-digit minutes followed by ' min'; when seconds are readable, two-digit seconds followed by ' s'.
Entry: 6 h 45 min
